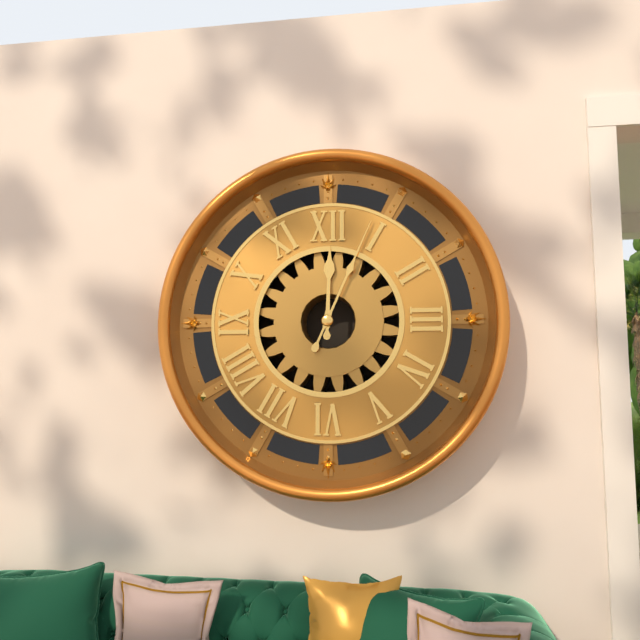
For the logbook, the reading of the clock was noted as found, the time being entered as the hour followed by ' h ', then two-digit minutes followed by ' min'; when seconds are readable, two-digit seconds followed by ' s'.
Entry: 12 h 04 min
